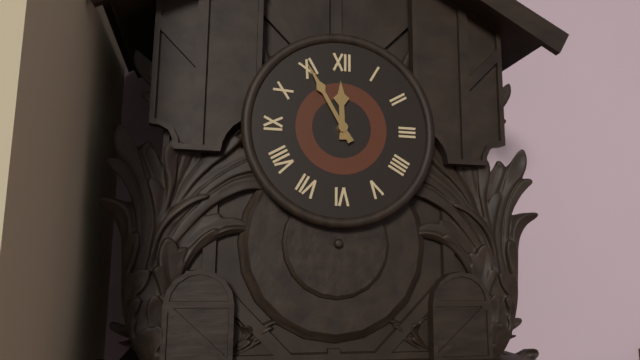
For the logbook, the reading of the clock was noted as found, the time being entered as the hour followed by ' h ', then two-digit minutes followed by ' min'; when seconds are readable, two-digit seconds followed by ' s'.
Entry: 11 h 55 min
